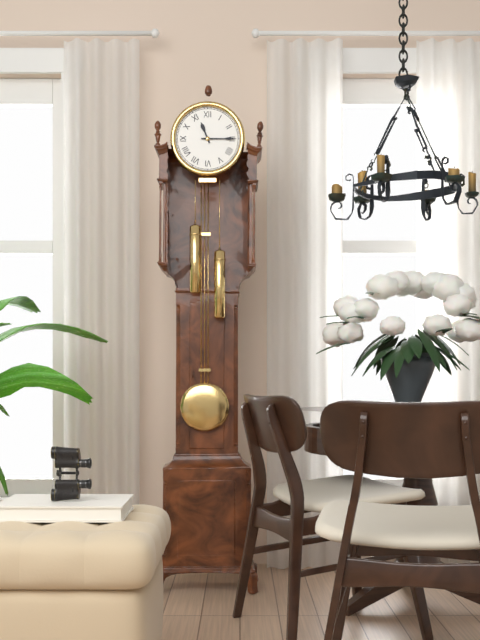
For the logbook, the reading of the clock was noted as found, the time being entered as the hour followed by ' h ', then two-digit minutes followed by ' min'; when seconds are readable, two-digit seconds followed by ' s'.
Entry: 11 h 15 min
